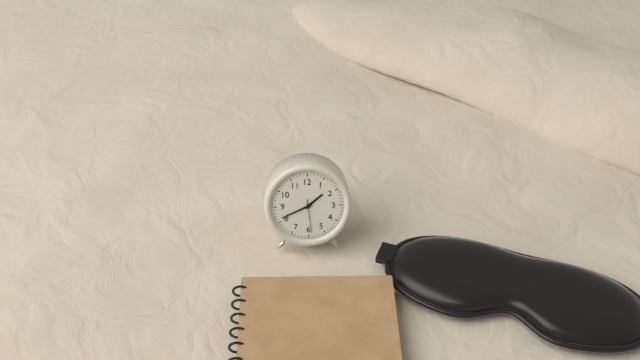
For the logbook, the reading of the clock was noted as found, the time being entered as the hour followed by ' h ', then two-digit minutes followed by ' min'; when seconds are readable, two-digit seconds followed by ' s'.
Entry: 1 h 41 min
